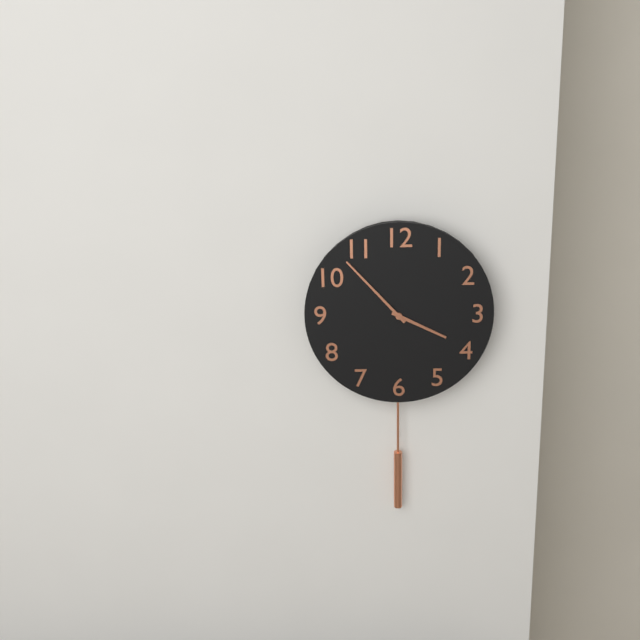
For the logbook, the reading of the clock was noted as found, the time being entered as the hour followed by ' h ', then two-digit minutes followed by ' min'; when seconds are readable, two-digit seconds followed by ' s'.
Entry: 3 h 53 min
